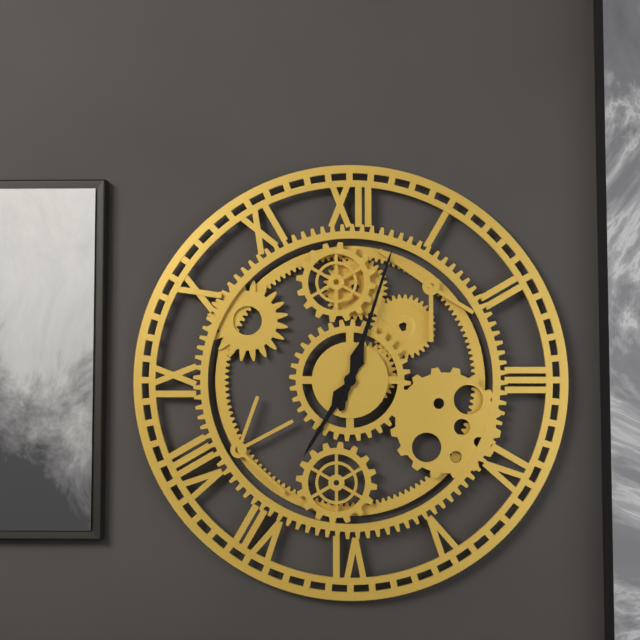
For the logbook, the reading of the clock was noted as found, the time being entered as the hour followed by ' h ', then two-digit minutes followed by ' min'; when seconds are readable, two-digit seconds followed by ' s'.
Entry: 7 h 03 min
